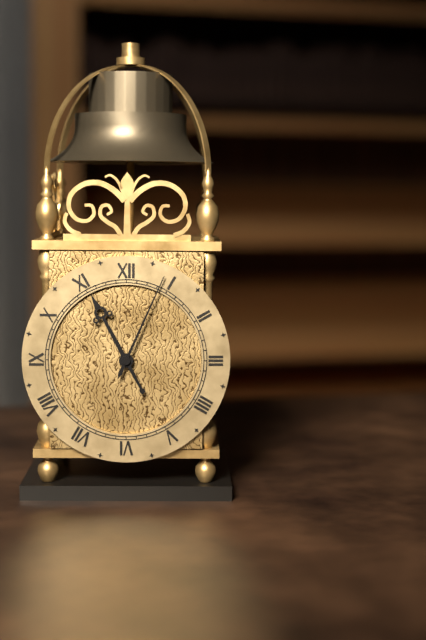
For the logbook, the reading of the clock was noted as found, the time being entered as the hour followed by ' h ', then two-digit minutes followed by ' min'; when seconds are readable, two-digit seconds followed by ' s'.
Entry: 11 h 04 min
